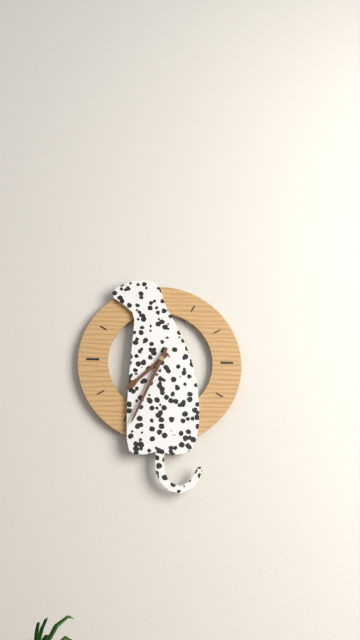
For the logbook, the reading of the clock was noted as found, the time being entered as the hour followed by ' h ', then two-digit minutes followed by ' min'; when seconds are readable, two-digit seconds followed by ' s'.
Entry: 7 h 34 min
